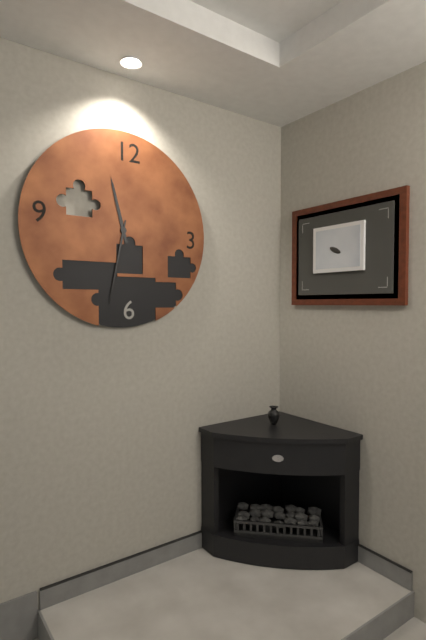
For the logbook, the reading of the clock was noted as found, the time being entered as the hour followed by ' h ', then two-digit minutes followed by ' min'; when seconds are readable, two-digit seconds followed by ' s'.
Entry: 11 h 32 min
